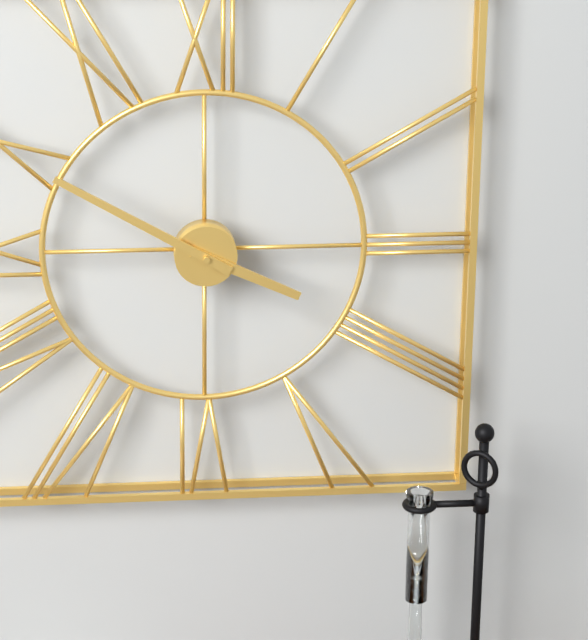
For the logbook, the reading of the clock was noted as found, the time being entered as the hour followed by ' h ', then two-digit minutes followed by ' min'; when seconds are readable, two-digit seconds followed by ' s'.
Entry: 3 h 50 min
